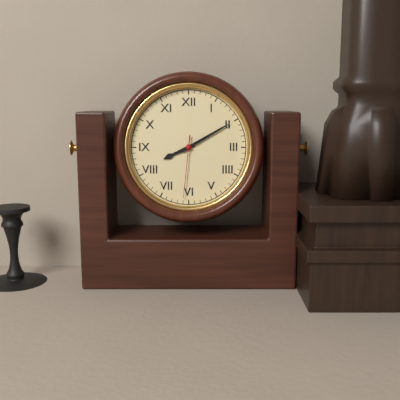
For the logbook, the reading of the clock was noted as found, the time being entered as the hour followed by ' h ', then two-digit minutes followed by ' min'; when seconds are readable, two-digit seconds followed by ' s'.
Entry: 8 h 10 min 31 s
